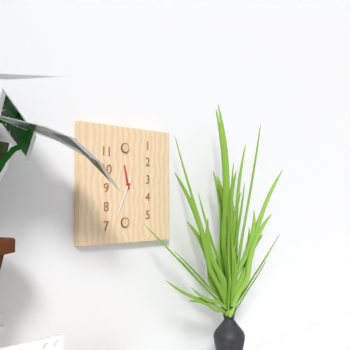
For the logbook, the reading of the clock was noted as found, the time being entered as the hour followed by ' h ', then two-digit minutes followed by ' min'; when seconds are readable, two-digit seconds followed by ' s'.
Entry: 11 h 34 min
